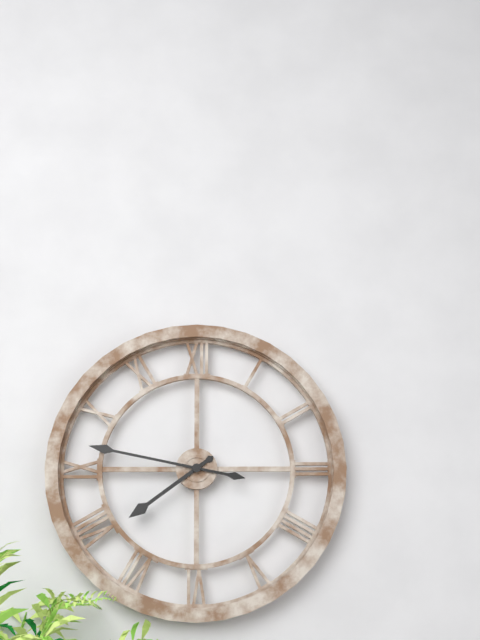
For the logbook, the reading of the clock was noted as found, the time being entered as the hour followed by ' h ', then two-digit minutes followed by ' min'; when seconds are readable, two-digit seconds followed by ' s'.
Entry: 7 h 47 min
